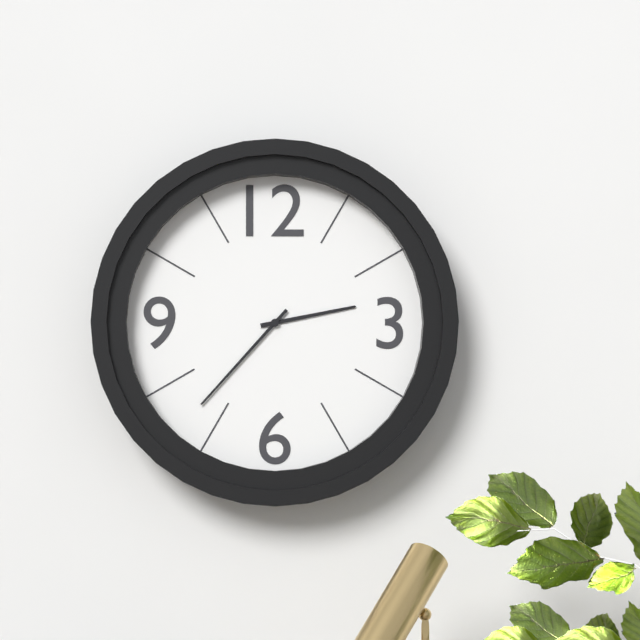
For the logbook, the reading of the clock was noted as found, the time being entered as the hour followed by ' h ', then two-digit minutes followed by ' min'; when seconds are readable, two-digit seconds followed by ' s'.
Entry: 2 h 37 min
